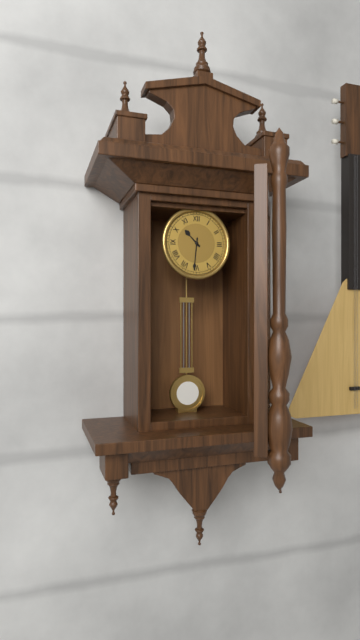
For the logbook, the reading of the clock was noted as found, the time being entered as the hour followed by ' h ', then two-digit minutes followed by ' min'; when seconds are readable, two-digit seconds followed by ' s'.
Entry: 10 h 31 min
